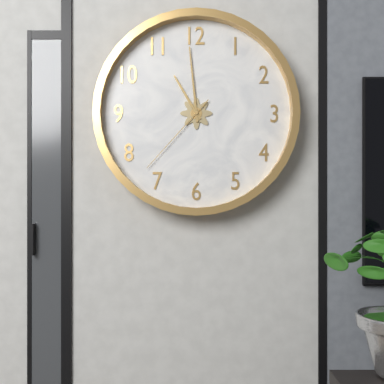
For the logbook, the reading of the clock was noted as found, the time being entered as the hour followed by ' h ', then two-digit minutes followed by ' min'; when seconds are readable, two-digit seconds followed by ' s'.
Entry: 10 h 59 min 37 s
